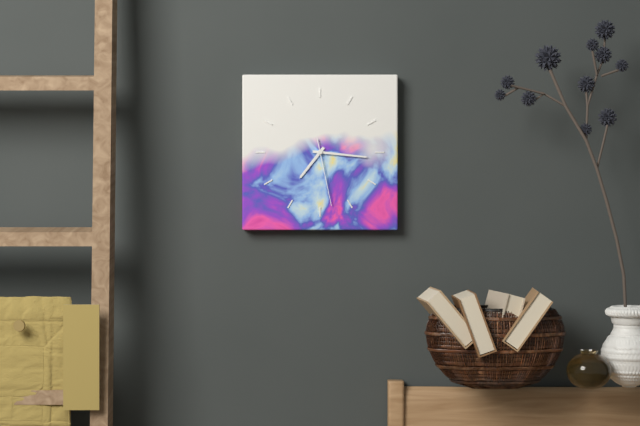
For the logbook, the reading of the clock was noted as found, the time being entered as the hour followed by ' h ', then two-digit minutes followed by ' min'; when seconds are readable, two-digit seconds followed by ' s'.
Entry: 7 h 16 min 28 s
